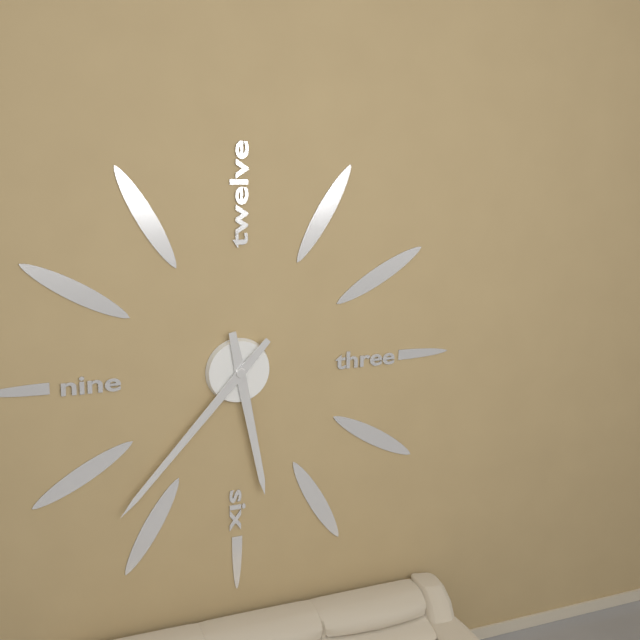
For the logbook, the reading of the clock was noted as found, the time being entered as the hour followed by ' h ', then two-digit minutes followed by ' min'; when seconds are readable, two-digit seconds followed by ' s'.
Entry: 5 h 37 min
